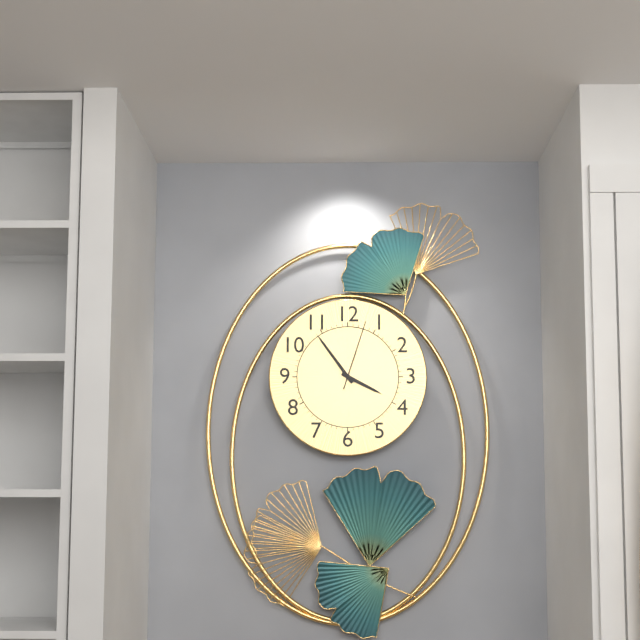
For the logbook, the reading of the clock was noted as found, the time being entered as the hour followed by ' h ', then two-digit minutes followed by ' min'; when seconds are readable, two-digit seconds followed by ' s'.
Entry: 3 h 54 min 03 s
